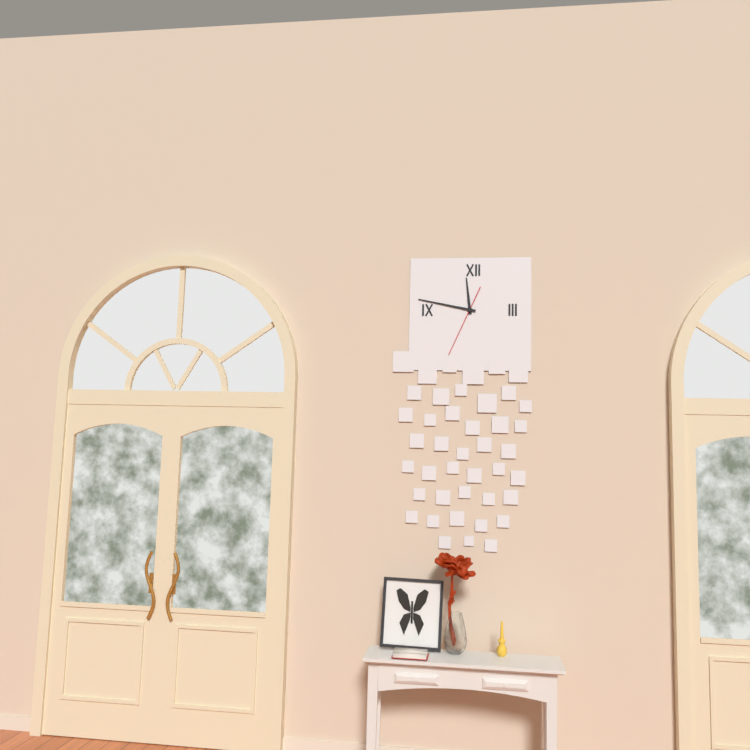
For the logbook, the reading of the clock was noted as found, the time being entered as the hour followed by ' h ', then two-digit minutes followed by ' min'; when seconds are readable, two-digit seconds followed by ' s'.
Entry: 11 h 47 min 34 s
